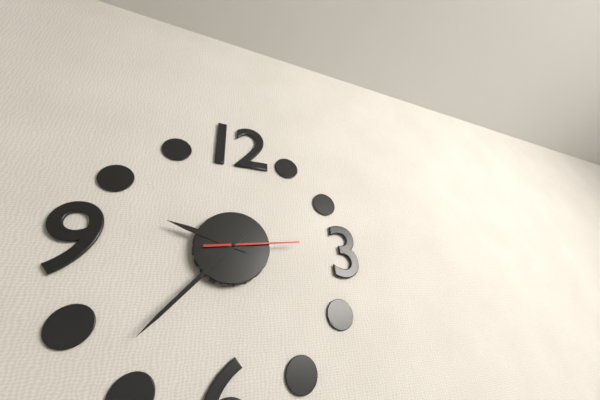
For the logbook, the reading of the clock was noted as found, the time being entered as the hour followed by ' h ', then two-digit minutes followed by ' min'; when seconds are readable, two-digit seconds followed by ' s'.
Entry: 9 h 37 min 14 s
